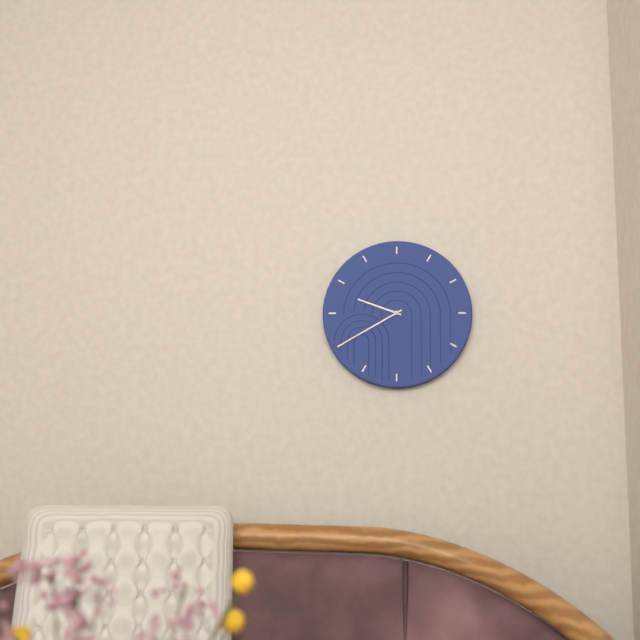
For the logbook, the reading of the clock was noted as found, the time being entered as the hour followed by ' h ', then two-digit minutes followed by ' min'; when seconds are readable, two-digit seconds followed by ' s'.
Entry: 9 h 40 min
